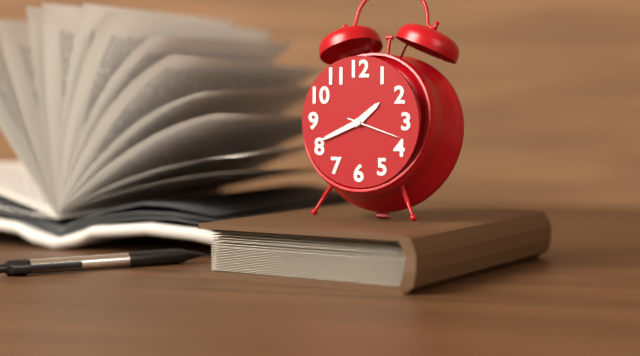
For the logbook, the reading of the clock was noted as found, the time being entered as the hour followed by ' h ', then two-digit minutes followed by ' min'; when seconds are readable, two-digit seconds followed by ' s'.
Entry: 1 h 41 min 18 s
